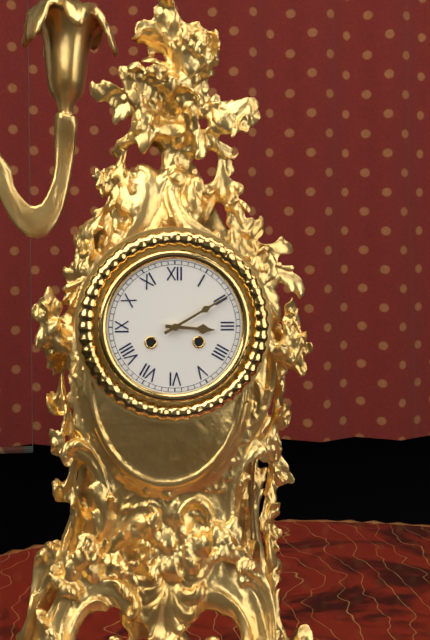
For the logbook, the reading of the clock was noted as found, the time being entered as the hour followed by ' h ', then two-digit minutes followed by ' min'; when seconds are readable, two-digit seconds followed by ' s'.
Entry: 3 h 10 min
